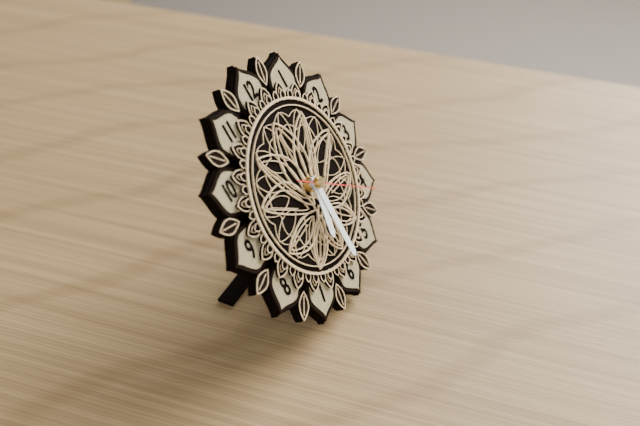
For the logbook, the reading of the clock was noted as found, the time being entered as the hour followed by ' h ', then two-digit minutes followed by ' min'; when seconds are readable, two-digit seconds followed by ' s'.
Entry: 6 h 30 min 21 s
